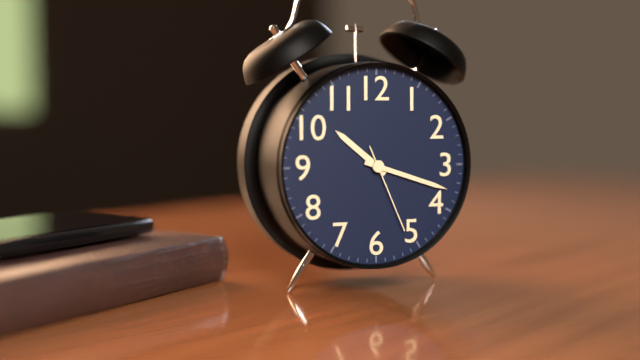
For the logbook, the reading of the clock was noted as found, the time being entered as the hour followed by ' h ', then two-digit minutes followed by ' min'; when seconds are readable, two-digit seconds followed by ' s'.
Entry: 10 h 18 min 26 s
